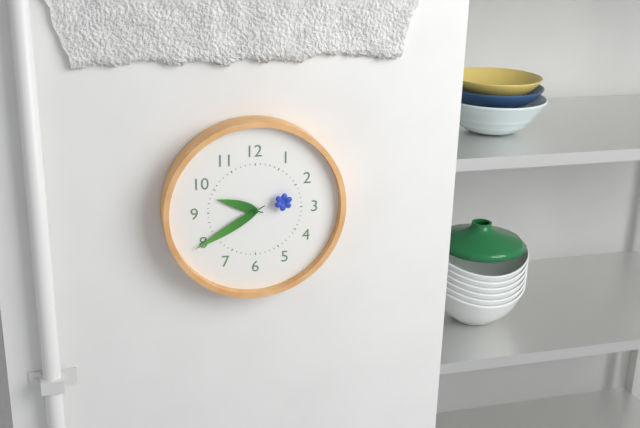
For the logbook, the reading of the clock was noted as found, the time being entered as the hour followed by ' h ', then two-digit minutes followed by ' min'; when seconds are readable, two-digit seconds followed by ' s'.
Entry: 9 h 40 min 12 s
